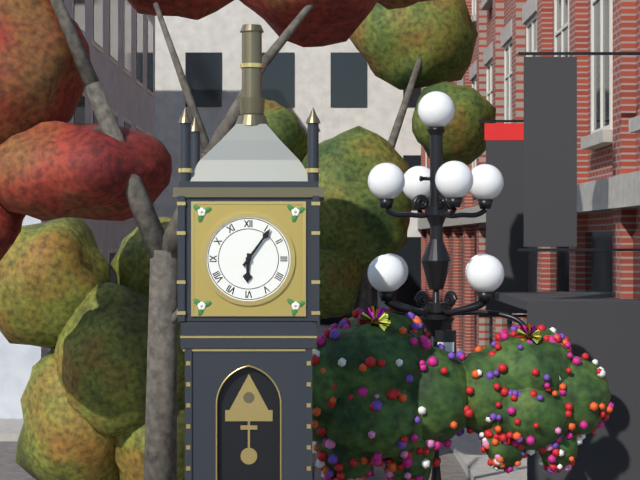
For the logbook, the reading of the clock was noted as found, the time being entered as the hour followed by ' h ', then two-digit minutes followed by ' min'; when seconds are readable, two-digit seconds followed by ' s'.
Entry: 6 h 06 min
